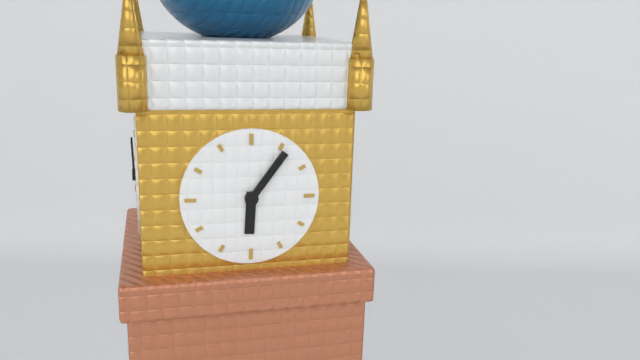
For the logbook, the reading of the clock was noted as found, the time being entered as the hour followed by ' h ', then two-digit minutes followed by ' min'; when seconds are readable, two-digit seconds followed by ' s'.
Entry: 6 h 06 min
